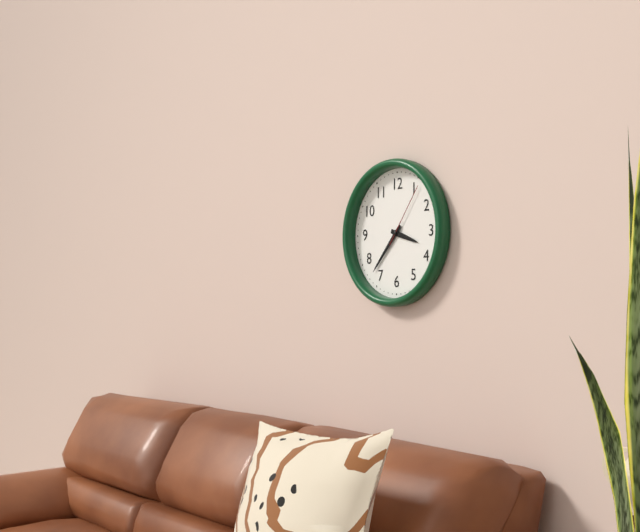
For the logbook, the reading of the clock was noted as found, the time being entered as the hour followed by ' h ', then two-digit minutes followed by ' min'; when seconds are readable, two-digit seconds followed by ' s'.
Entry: 3 h 37 min 06 s
